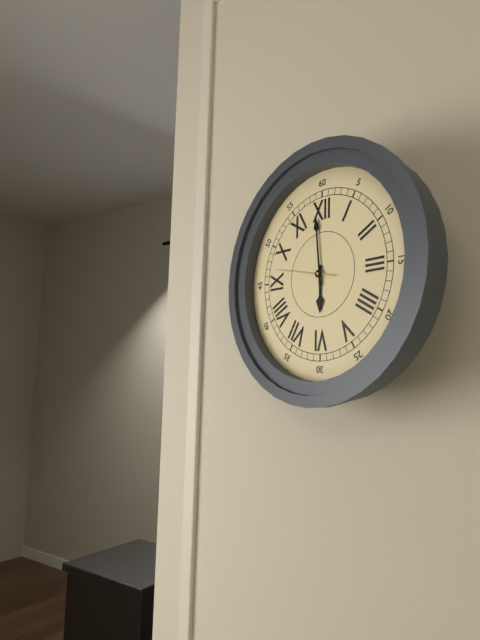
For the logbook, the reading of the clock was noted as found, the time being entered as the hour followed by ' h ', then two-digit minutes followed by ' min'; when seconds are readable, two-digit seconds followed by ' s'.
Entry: 5 h 59 min 47 s
